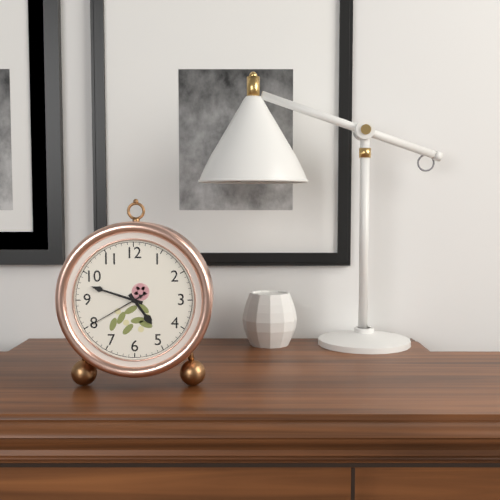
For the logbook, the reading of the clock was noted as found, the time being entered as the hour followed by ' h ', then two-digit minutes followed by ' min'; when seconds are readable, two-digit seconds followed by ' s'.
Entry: 4 h 48 min 40 s
